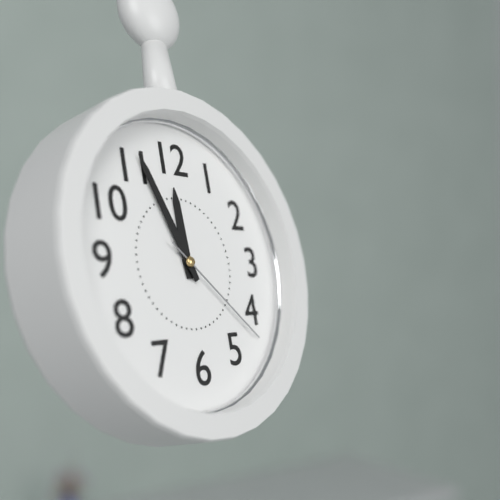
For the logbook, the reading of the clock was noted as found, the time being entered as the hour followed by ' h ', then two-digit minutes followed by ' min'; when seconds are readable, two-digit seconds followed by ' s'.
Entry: 11 h 56 min 22 s
